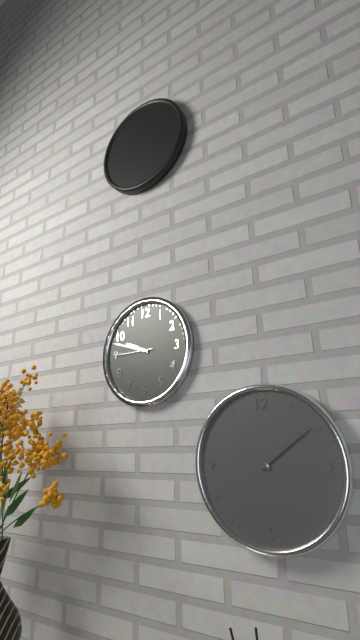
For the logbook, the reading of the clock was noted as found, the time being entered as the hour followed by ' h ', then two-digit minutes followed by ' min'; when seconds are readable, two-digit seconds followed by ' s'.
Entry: 9 h 48 min
